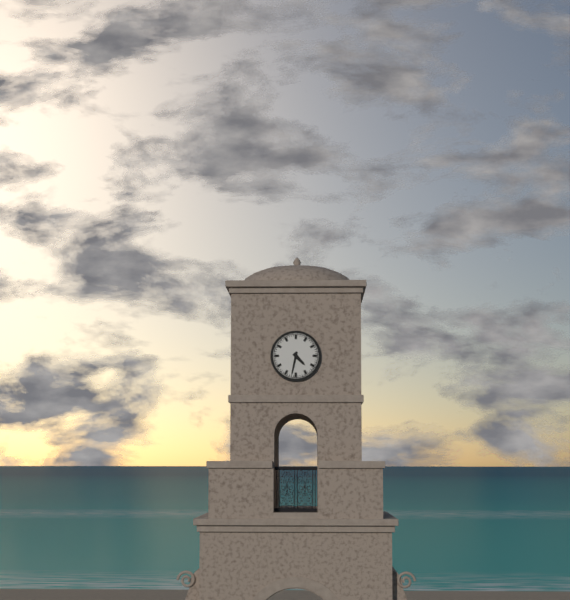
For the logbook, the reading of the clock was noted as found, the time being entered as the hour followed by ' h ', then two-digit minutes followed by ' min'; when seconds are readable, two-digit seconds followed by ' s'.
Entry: 4 h 32 min
